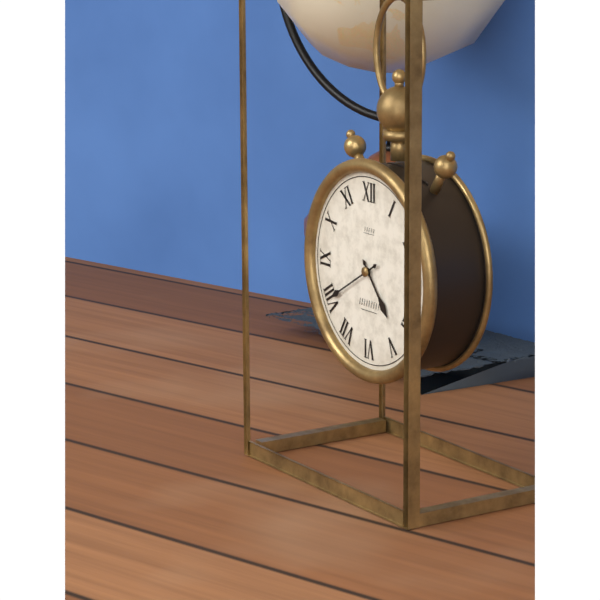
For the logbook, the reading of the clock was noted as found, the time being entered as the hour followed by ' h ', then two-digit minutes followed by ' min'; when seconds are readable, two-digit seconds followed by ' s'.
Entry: 4 h 40 min
